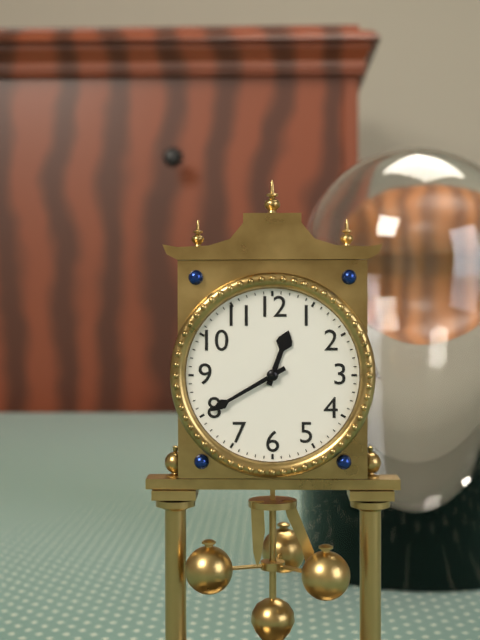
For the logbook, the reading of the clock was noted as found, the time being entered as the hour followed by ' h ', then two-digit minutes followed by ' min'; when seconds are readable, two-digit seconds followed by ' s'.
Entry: 12 h 40 min
